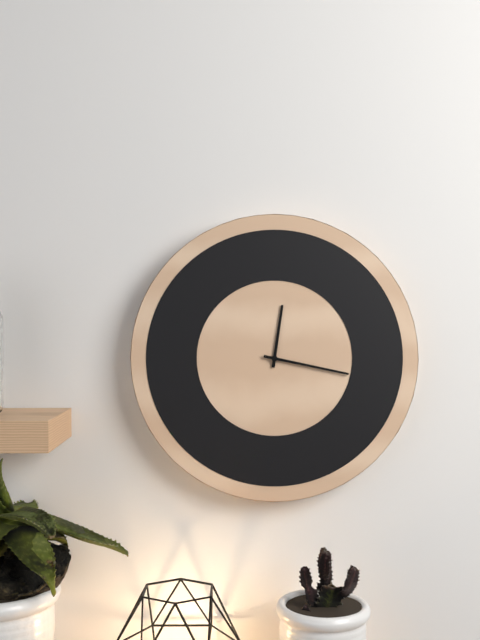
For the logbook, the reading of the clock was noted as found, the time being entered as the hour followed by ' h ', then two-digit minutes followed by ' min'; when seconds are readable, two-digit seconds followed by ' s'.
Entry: 12 h 17 min
